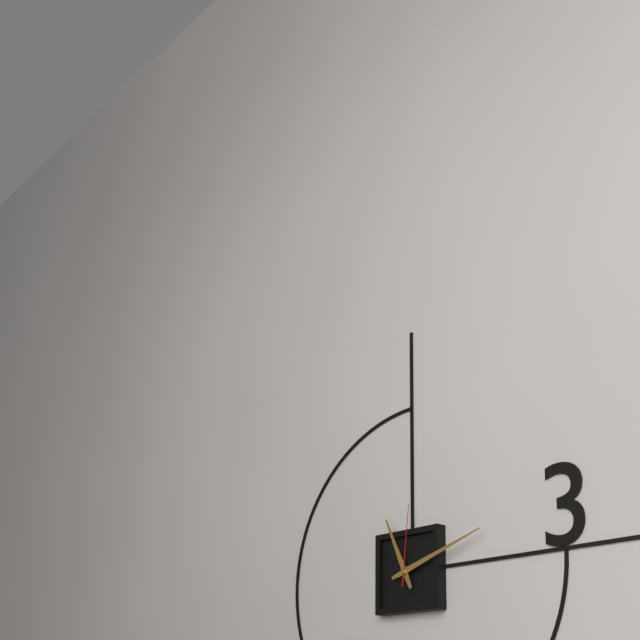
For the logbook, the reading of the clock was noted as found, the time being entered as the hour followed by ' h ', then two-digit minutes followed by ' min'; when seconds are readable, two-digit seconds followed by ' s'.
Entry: 11 h 12 min 01 s
